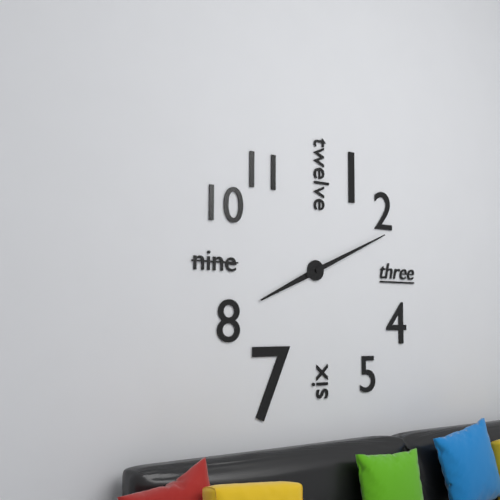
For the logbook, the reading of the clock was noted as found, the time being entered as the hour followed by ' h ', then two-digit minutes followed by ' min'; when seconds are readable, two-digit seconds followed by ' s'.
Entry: 8 h 11 min
